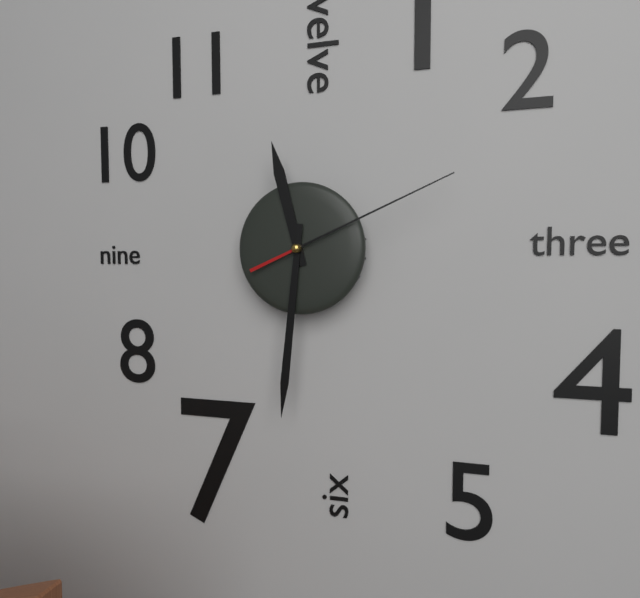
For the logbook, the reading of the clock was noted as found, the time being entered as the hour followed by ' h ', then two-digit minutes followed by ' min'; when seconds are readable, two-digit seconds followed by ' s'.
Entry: 11 h 31 min 11 s
